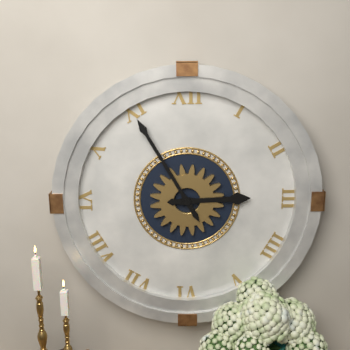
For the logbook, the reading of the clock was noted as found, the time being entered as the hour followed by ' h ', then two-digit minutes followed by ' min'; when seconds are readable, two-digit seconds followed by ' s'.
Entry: 2 h 55 min
